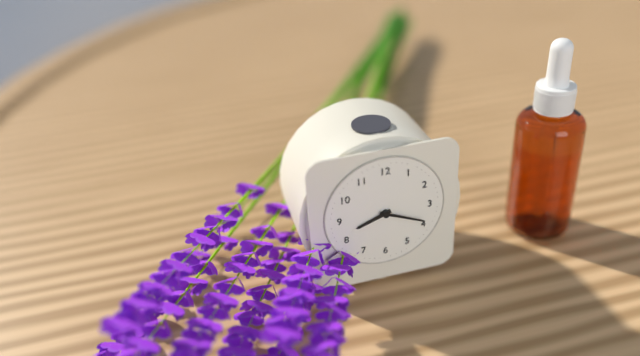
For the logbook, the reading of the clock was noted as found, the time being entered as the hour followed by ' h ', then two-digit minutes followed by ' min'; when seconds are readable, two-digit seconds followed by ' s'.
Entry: 8 h 19 min
